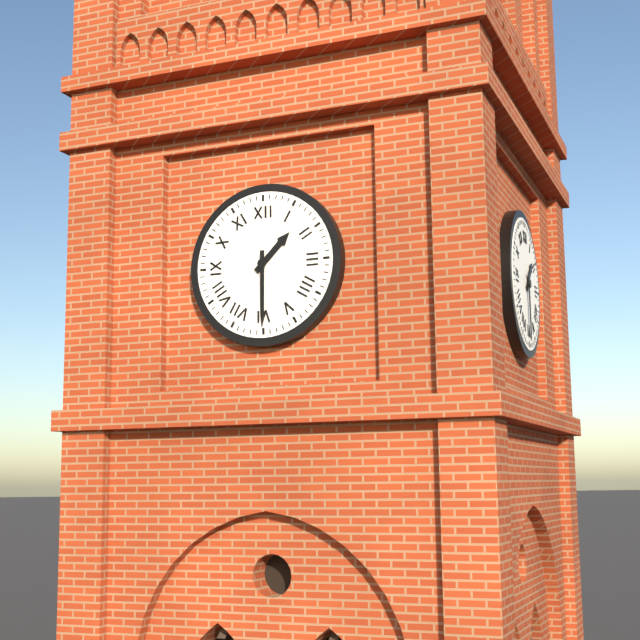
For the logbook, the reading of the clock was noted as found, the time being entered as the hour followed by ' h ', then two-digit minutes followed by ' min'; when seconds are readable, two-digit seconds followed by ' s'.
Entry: 1 h 30 min
